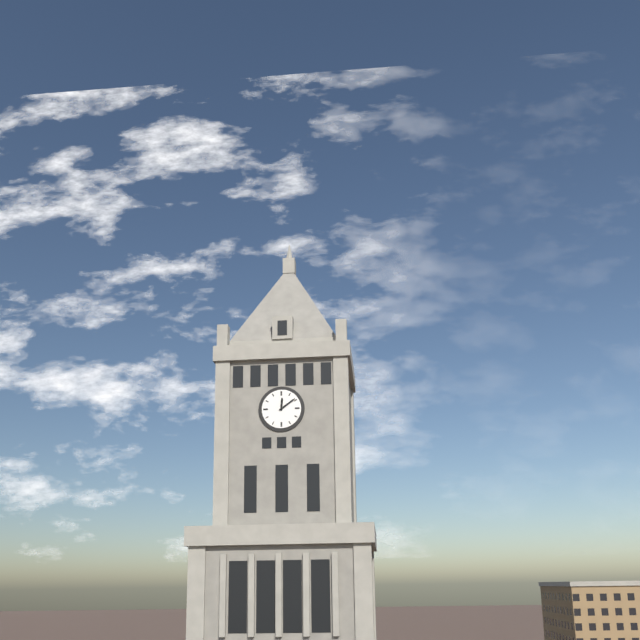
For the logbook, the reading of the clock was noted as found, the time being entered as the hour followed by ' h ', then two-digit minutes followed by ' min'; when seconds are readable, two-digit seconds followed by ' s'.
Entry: 12 h 09 min
